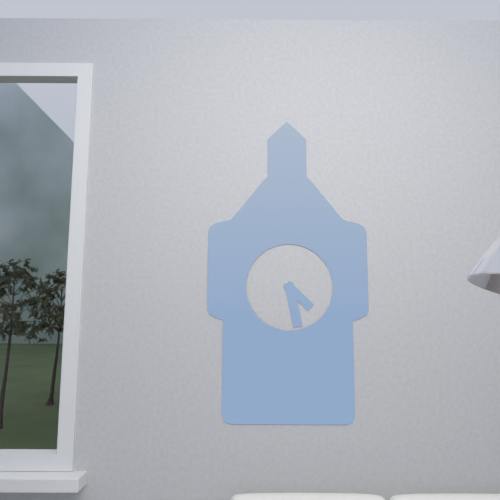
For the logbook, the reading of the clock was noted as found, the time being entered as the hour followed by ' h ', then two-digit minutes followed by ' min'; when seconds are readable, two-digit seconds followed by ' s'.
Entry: 4 h 28 min
